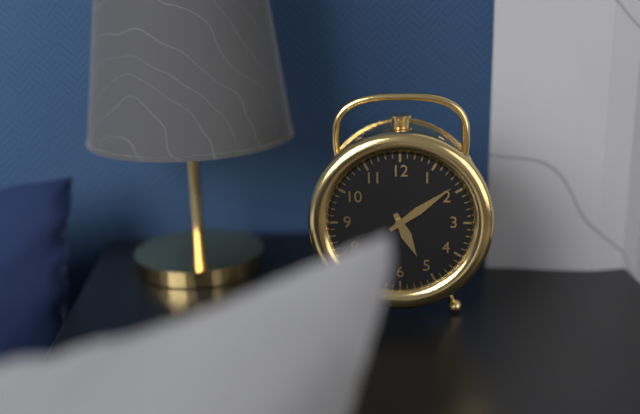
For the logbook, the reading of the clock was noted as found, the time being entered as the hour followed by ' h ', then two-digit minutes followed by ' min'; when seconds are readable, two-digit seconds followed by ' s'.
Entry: 5 h 09 min
